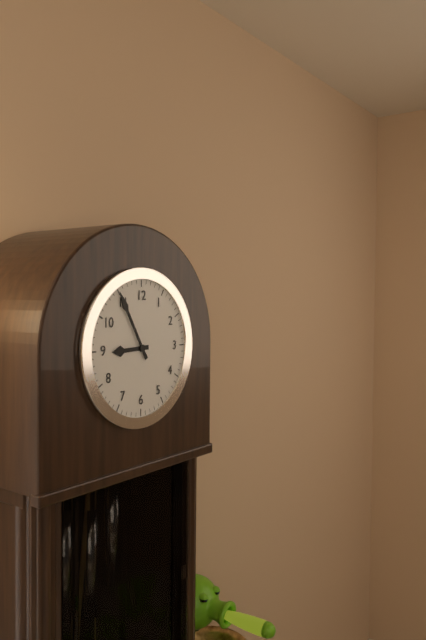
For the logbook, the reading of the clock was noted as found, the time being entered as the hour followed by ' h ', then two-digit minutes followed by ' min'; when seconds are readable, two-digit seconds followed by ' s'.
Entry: 8 h 55 min
